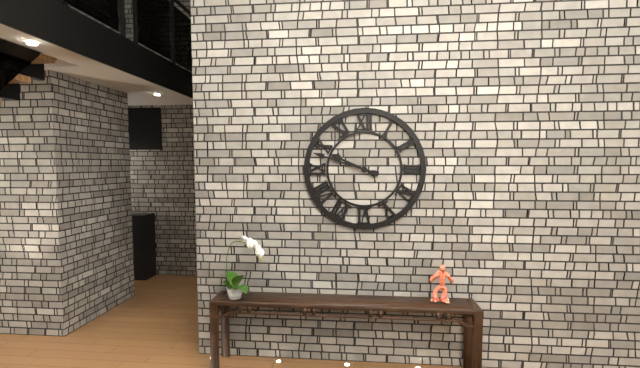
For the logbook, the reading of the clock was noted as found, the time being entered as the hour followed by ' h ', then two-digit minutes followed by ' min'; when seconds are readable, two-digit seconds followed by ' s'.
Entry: 9 h 48 min
